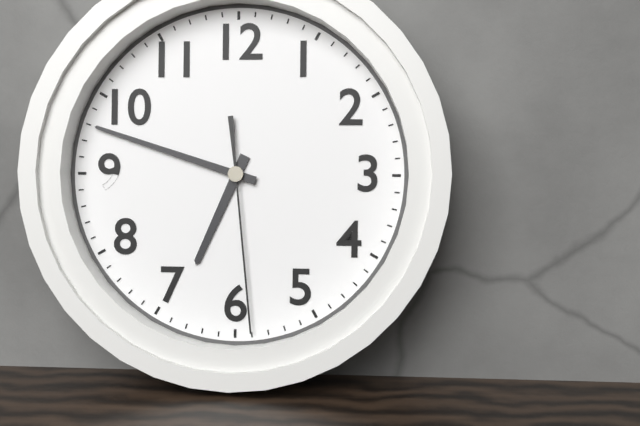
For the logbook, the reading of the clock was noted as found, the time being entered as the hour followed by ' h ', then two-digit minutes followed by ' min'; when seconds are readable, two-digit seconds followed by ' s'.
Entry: 6 h 48 min 29 s
